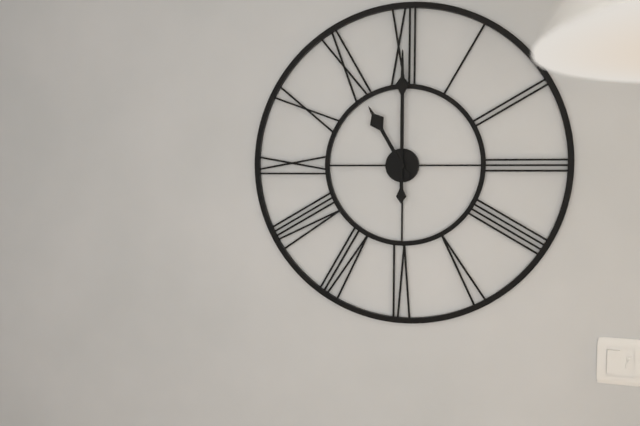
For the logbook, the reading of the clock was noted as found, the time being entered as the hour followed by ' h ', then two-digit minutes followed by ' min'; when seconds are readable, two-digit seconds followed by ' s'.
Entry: 11 h 00 min
